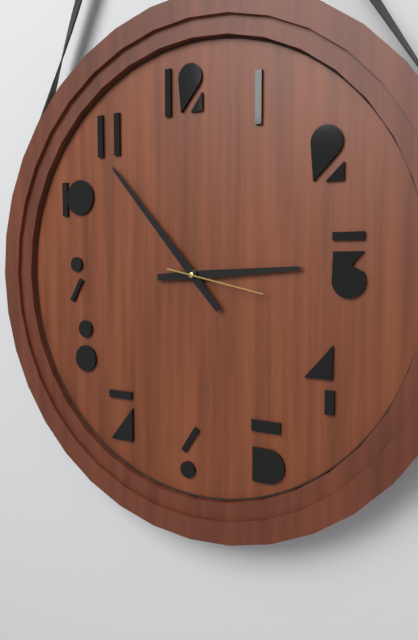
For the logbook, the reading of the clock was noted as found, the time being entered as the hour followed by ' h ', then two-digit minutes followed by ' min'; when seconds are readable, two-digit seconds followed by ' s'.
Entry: 2 h 53 min 17 s
